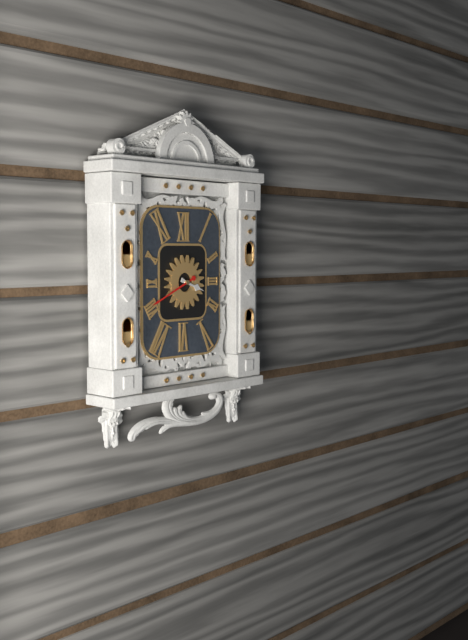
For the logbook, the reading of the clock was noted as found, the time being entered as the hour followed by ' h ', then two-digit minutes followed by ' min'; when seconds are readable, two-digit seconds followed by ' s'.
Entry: 3 h 41 min
